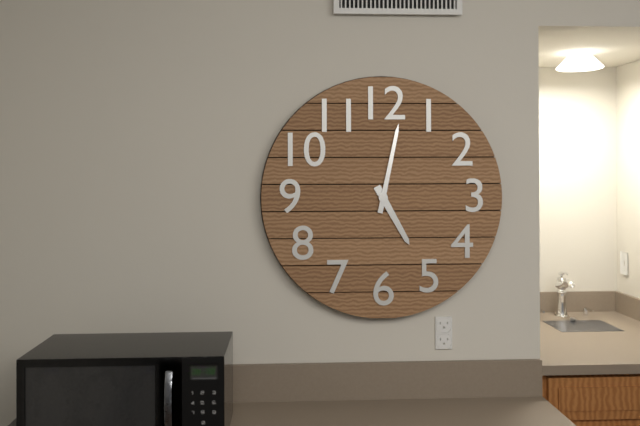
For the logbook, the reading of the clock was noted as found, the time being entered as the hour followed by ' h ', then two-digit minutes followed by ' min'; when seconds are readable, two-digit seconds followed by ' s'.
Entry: 5 h 02 min
